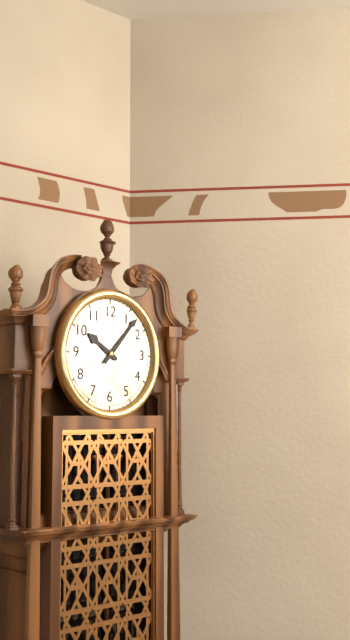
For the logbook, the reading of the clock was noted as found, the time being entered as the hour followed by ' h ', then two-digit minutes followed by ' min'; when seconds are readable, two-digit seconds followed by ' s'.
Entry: 10 h 07 min
